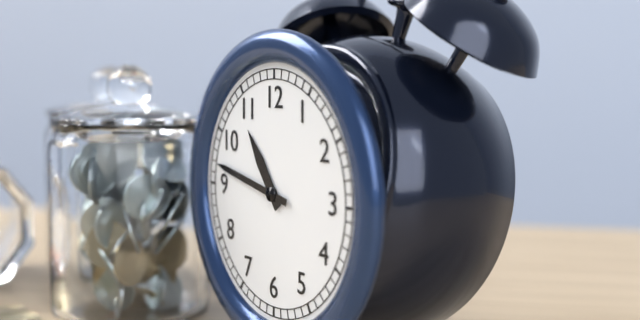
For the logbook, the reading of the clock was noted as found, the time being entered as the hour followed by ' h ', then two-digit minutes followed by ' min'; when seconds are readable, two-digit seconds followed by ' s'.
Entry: 10 h 47 min
